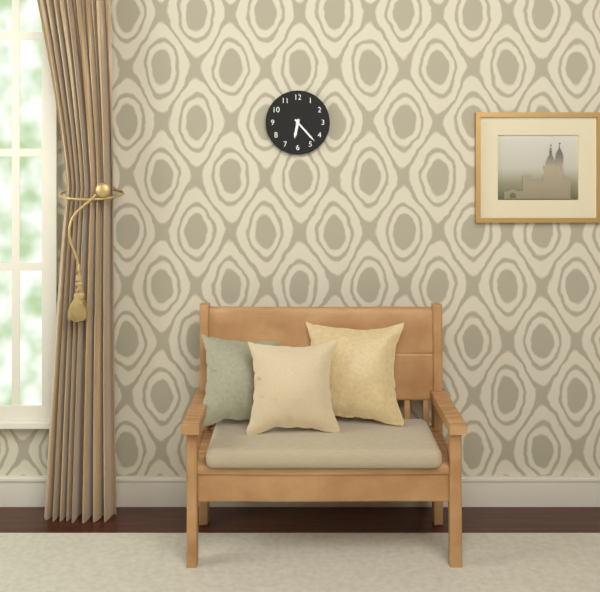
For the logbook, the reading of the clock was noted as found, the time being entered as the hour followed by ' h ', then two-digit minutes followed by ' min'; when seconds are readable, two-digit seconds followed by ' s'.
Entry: 6 h 23 min
